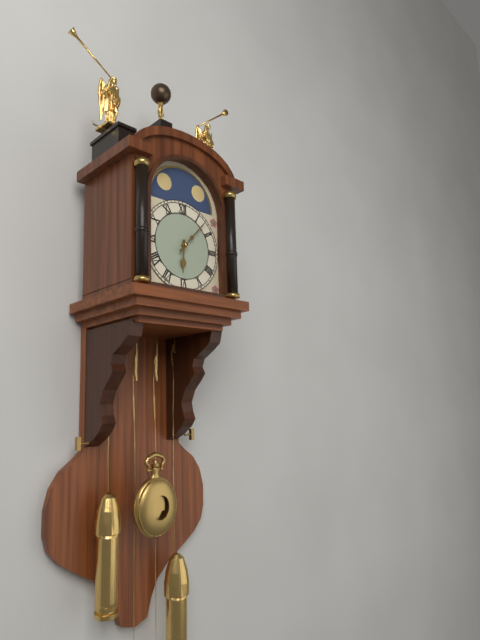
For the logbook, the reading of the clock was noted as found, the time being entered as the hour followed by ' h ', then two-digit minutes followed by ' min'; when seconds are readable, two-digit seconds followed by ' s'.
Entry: 6 h 07 min
